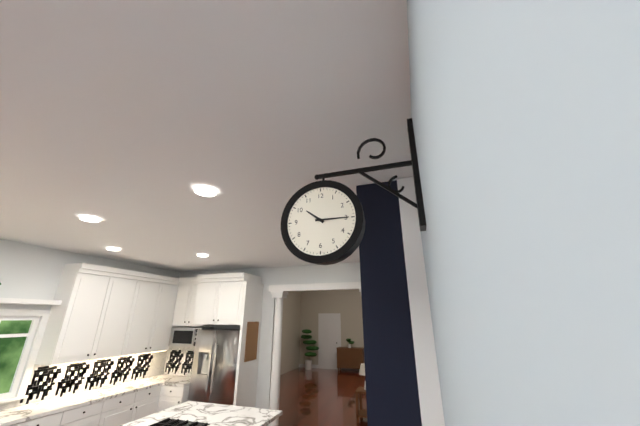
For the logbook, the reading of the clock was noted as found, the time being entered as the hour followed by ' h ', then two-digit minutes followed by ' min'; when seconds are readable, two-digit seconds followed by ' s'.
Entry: 10 h 15 min
